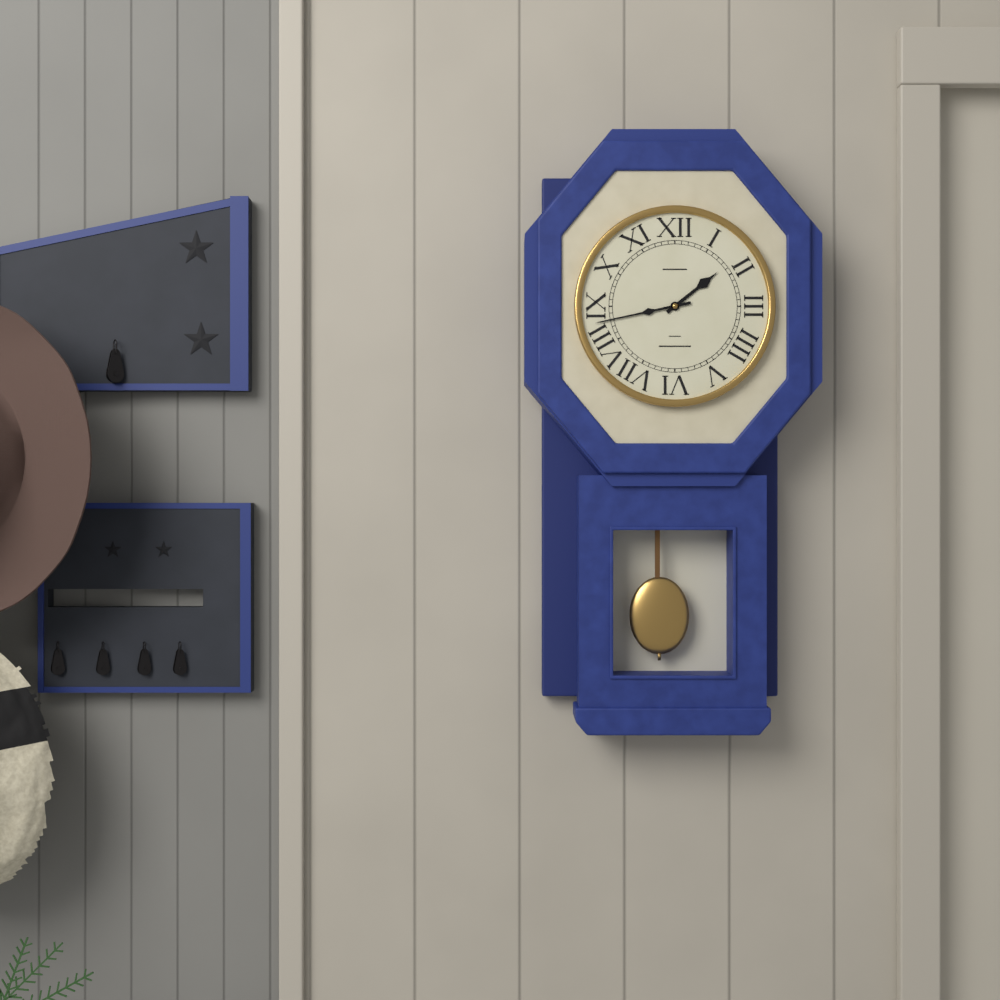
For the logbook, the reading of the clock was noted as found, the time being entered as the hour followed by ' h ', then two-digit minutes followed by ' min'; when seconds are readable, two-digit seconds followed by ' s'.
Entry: 1 h 43 min
